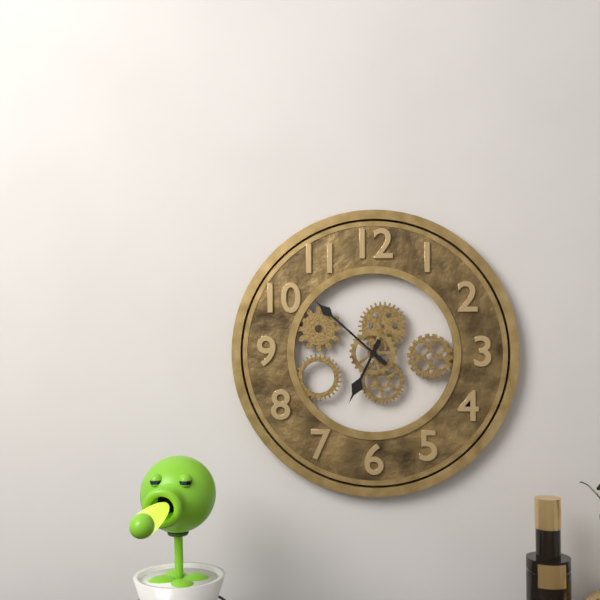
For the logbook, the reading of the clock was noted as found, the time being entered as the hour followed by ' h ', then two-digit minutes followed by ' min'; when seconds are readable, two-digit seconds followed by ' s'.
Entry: 6 h 52 min
